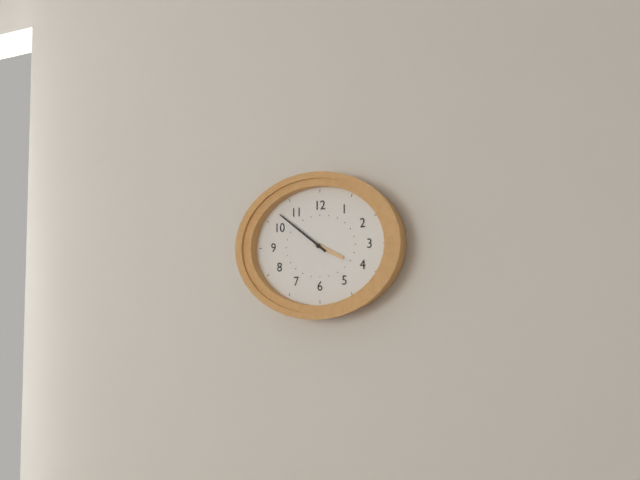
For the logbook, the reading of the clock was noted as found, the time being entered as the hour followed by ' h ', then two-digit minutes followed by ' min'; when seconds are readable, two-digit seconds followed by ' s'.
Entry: 3 h 51 min
